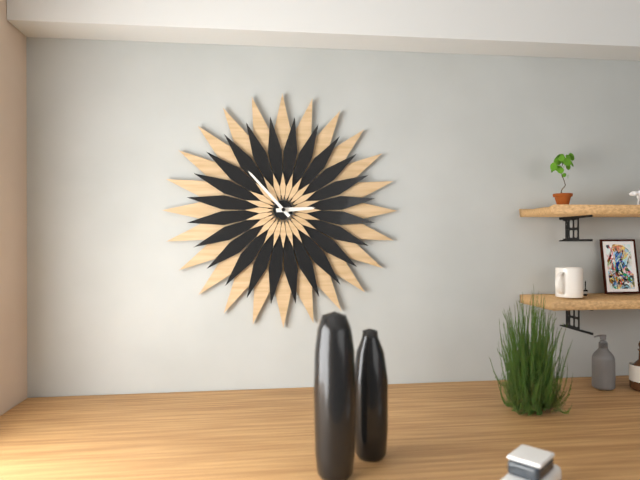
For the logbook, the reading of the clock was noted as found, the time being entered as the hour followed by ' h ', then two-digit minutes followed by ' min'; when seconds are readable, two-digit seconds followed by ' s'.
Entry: 2 h 53 min
